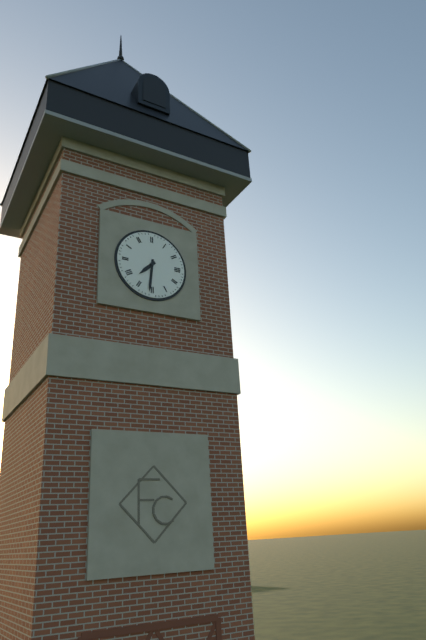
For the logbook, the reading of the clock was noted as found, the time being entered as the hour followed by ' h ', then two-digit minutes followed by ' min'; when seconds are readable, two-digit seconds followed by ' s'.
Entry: 7 h 31 min
